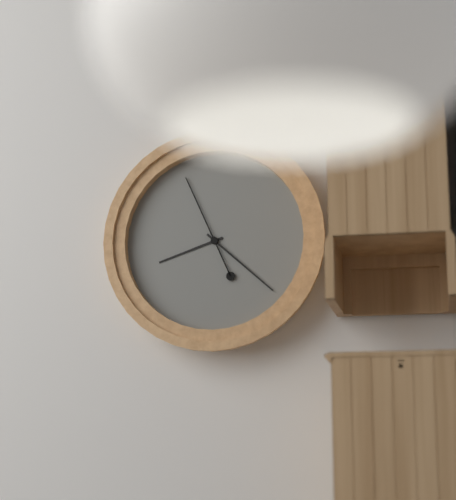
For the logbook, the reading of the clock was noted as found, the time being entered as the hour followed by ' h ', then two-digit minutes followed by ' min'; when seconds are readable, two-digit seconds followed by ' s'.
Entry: 8 h 22 min 56 s
